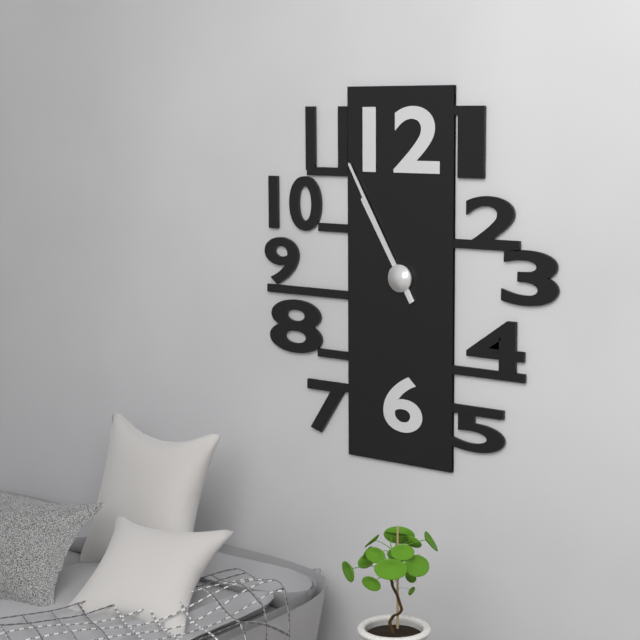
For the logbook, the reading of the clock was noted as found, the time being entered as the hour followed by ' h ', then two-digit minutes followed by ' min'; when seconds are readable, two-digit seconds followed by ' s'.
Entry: 10 h 55 min
